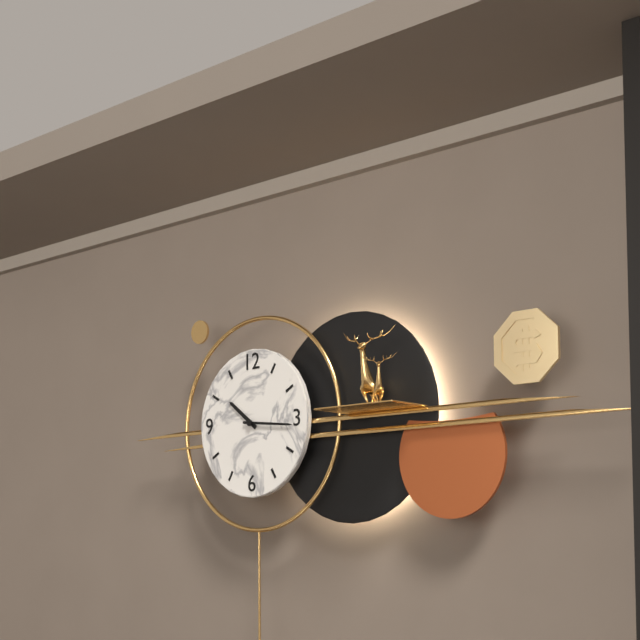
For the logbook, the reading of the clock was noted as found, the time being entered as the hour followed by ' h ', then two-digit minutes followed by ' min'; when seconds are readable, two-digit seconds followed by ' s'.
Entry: 10 h 16 min
